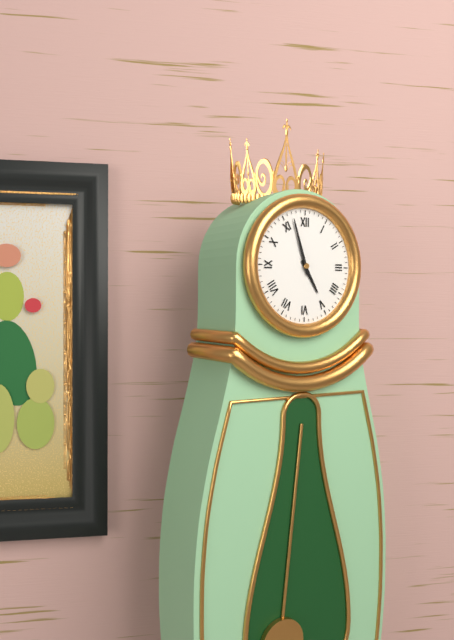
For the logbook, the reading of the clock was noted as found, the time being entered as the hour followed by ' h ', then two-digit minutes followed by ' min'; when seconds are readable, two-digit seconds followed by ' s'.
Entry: 4 h 57 min
